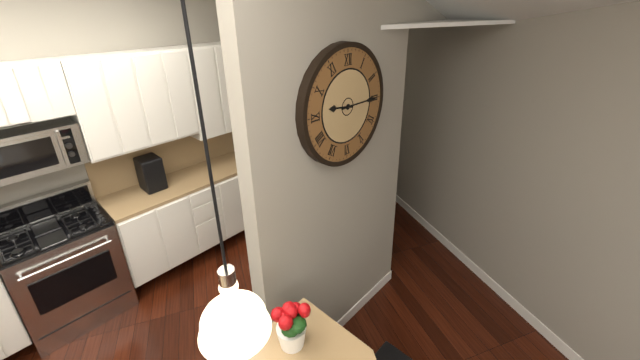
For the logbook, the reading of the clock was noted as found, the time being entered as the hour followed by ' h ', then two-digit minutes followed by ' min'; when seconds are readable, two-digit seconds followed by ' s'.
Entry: 9 h 15 min
